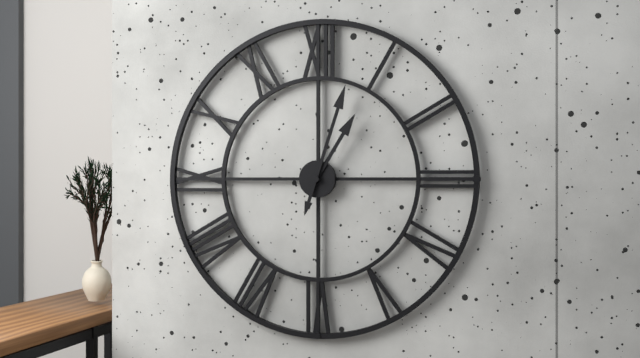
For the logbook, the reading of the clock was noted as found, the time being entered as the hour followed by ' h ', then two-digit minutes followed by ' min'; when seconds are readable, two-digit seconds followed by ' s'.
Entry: 1 h 03 min
